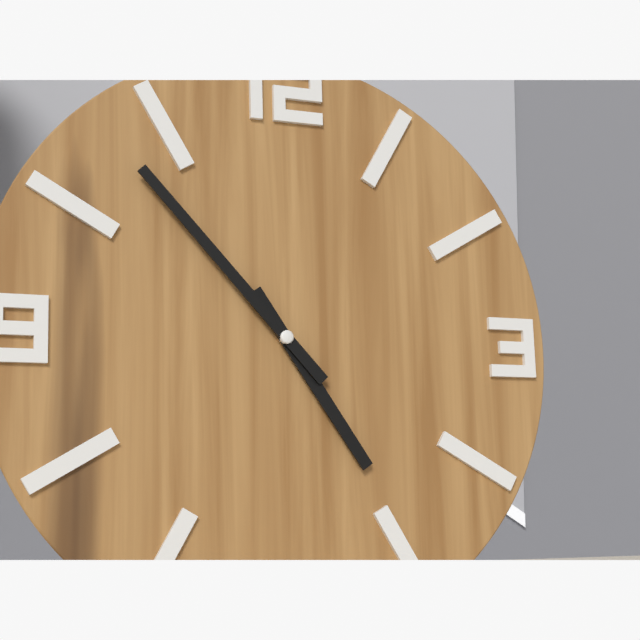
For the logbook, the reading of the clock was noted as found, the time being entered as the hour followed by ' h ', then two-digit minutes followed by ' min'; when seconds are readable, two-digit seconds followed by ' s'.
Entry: 4 h 53 min
